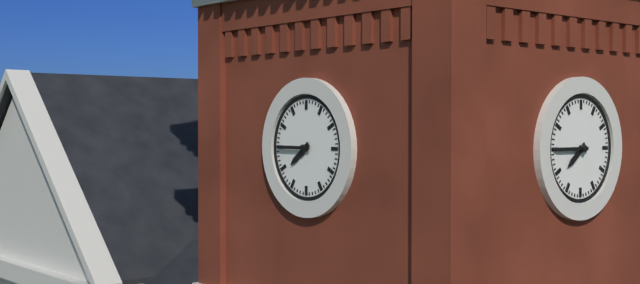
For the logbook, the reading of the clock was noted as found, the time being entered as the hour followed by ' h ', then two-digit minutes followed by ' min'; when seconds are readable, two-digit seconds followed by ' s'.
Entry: 7 h 45 min
